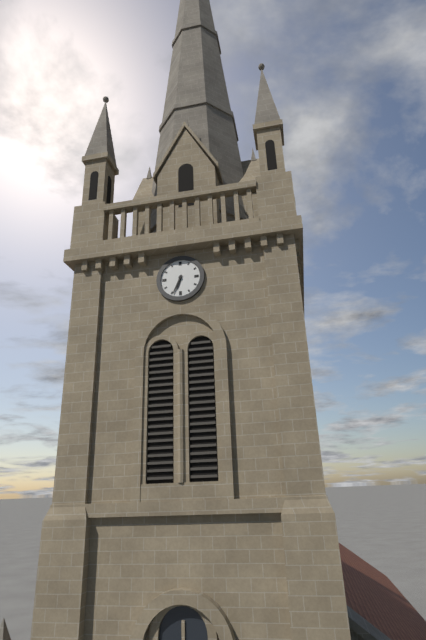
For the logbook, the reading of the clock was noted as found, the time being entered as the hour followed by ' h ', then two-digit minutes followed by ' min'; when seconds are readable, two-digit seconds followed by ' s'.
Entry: 6 h 34 min
